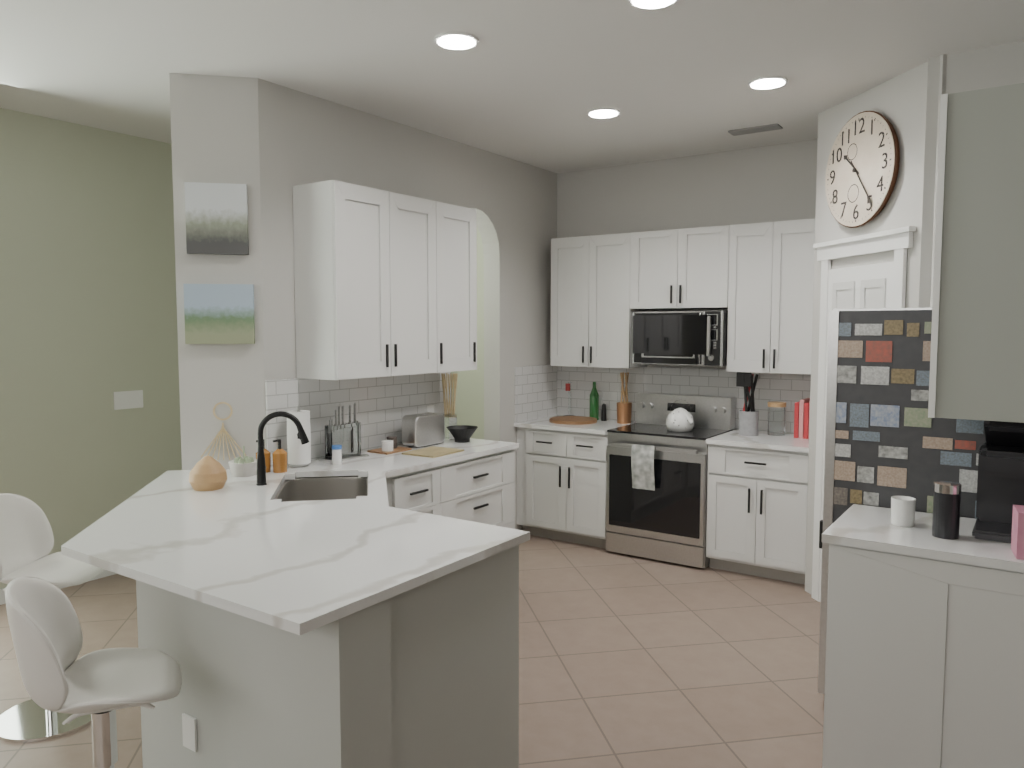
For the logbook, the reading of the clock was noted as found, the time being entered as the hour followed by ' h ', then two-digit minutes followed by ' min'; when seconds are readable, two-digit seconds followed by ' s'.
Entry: 10 h 24 min
